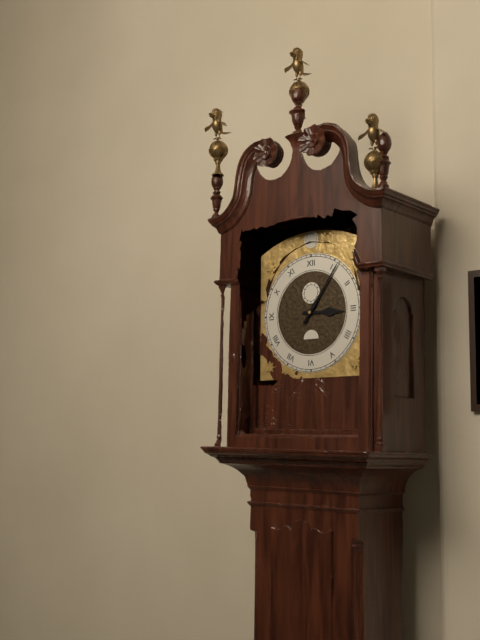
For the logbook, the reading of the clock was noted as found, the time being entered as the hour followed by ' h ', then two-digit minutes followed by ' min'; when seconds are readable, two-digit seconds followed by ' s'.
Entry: 3 h 06 min
